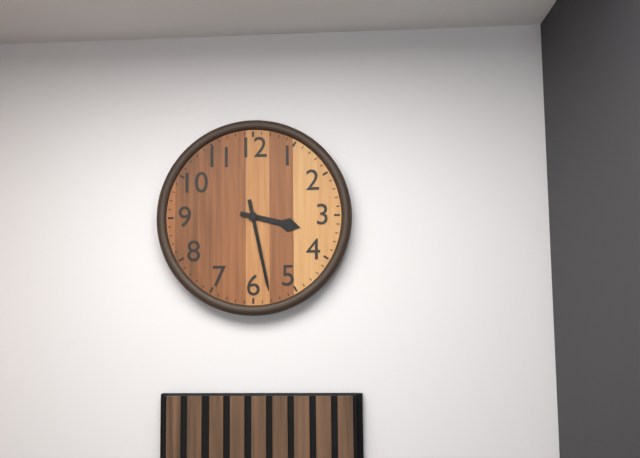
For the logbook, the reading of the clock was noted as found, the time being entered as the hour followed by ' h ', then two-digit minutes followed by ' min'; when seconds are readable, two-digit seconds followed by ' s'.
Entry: 3 h 28 min
